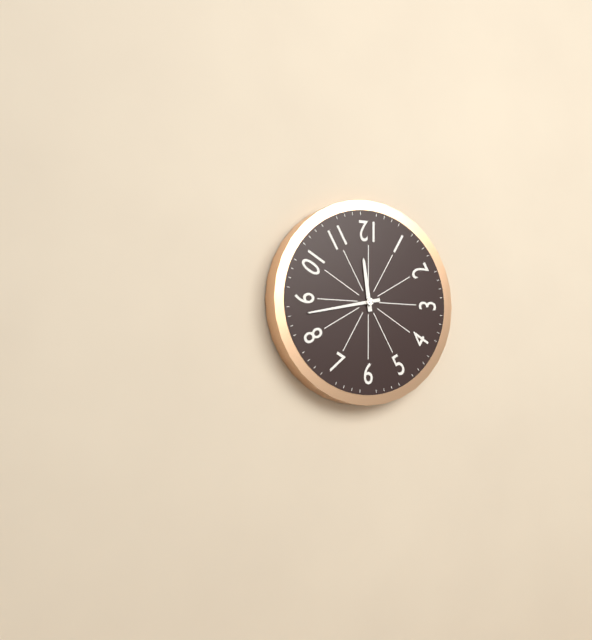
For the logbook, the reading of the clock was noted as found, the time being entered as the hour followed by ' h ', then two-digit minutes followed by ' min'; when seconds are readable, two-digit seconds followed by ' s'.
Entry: 11 h 43 min
